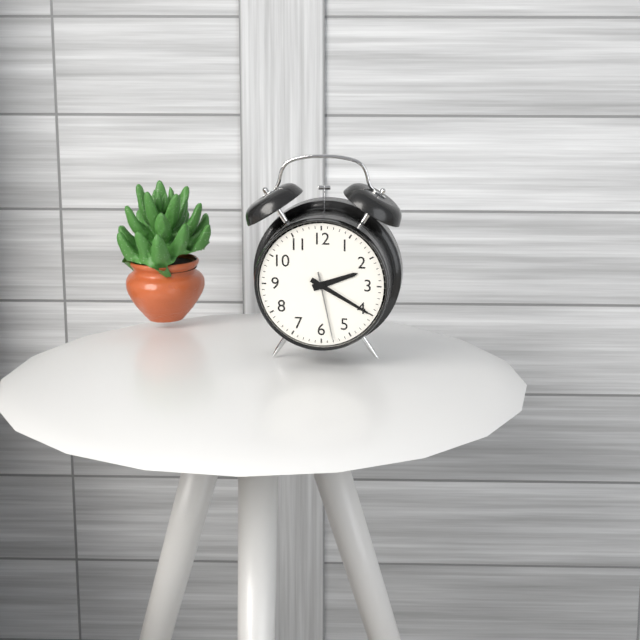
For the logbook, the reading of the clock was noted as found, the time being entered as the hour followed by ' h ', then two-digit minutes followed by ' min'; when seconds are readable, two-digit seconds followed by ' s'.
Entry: 2 h 20 min 28 s
